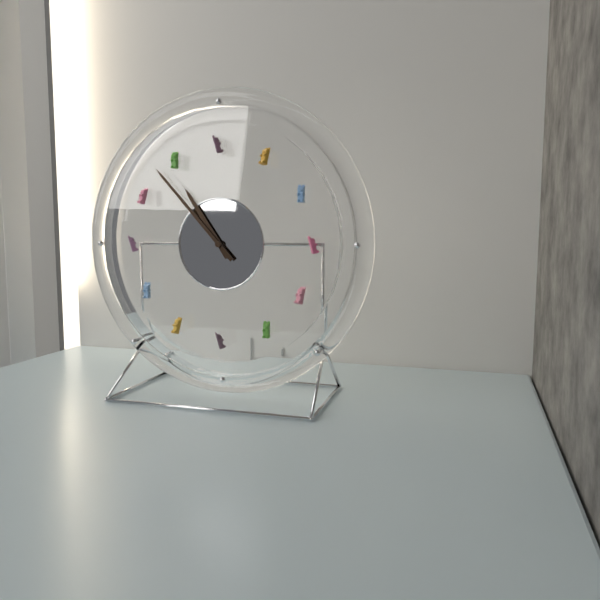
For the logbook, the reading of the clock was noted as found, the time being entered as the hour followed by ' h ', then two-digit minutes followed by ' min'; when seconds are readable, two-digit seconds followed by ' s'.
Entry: 10 h 53 min
